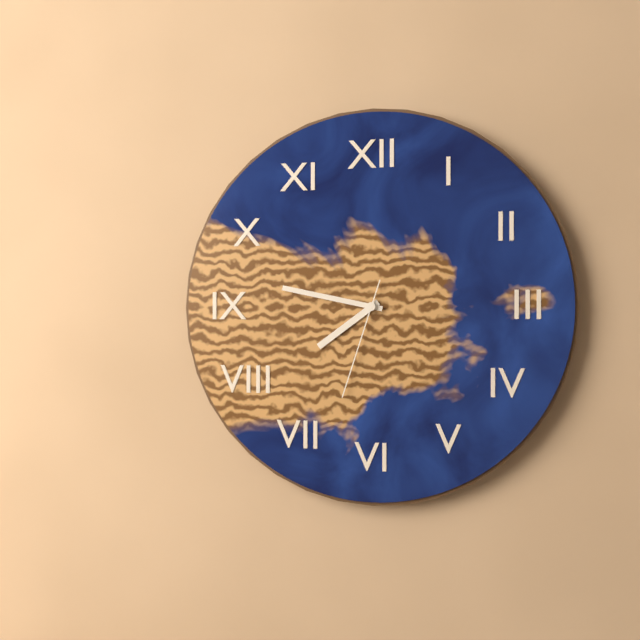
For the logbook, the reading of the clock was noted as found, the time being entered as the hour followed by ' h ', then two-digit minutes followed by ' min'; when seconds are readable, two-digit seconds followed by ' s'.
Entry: 7 h 47 min 33 s
